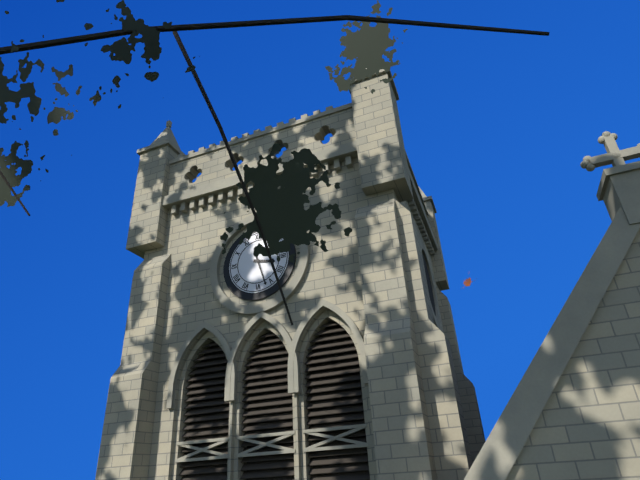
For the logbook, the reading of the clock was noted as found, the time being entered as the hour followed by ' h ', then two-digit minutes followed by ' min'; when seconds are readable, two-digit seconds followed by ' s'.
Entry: 3 h 27 min
